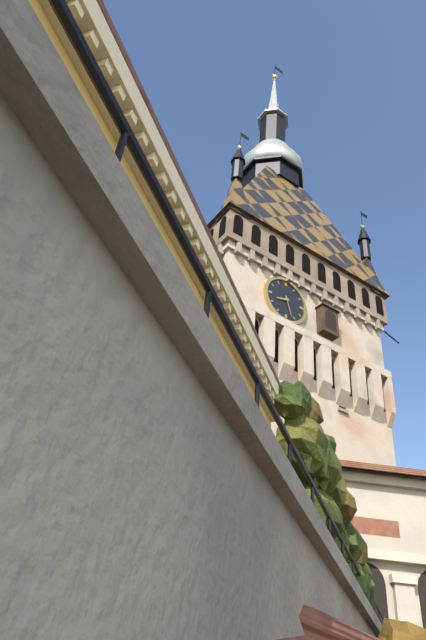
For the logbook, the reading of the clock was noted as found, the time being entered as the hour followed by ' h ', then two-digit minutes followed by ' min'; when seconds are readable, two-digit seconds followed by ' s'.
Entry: 8 h 27 min
